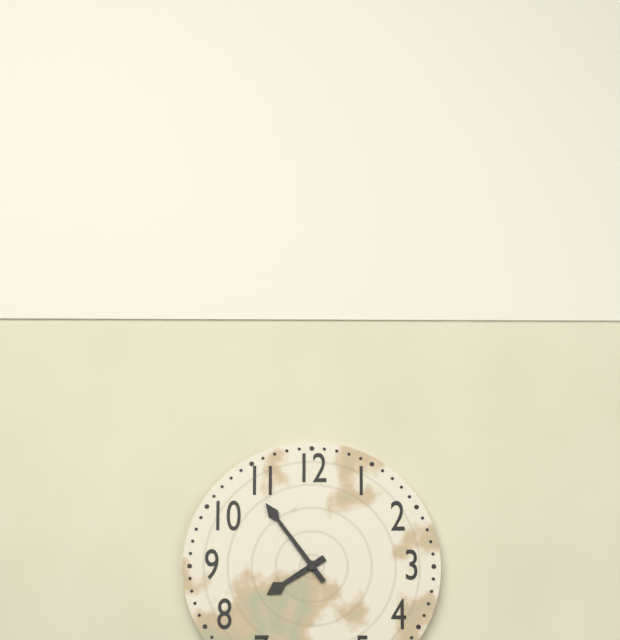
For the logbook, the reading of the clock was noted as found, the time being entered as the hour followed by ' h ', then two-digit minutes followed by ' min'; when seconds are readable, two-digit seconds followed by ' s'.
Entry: 7 h 54 min
